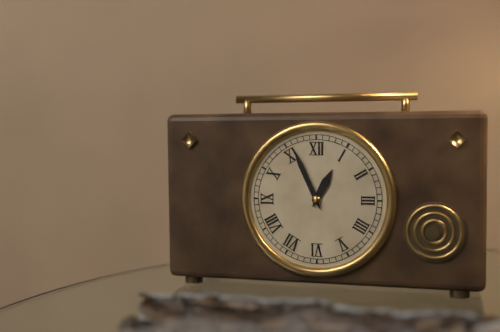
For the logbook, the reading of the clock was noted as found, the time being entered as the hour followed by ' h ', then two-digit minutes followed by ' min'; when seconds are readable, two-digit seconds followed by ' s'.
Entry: 12 h 56 min
